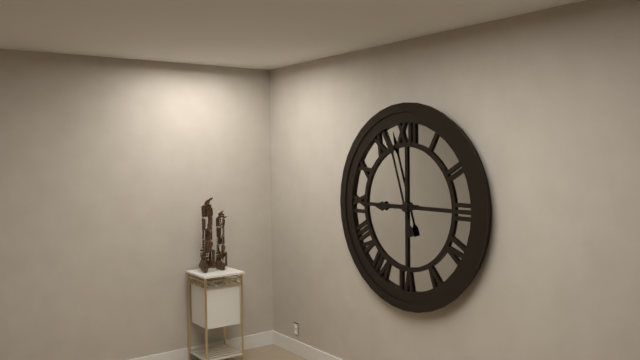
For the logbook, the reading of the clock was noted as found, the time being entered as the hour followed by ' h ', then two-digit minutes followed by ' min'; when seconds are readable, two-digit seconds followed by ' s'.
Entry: 8 h 57 min
